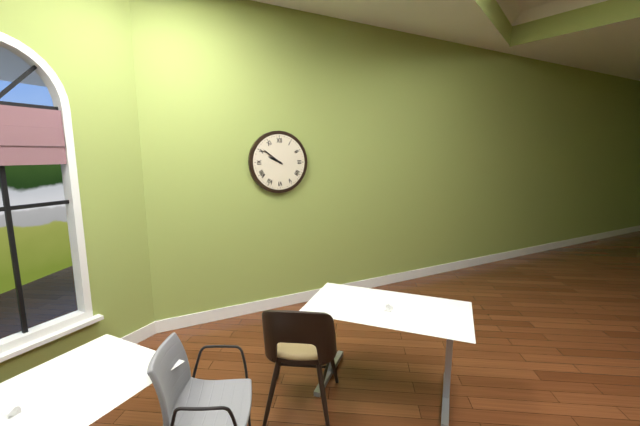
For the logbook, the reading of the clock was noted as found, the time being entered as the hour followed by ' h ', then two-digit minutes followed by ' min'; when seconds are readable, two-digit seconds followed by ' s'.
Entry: 9 h 51 min
